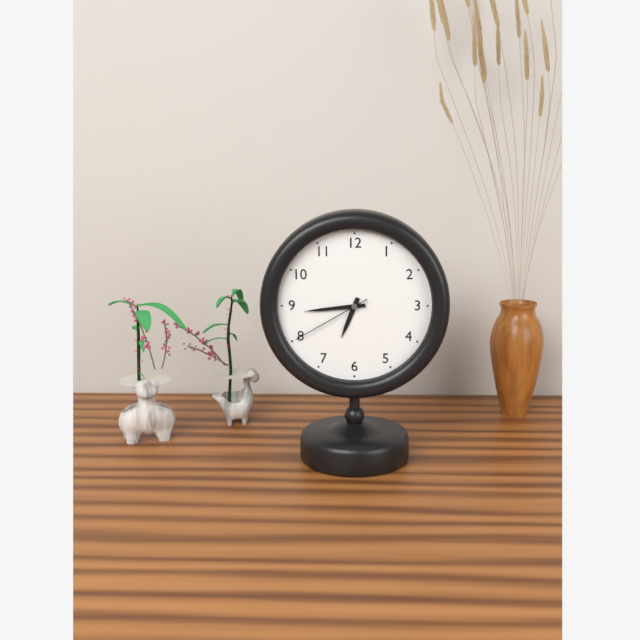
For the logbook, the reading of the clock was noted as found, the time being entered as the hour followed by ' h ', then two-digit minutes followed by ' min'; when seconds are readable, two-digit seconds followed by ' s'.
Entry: 6 h 44 min 40 s
